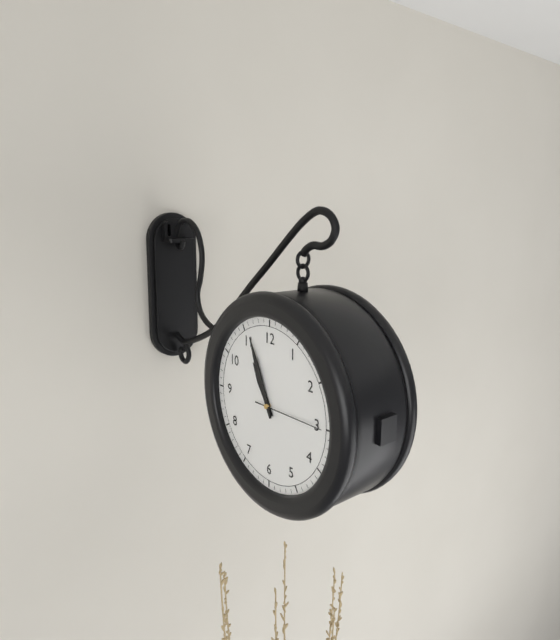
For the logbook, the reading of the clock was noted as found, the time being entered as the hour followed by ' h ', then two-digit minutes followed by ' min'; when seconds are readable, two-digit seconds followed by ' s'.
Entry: 10 h 56 min 15 s
